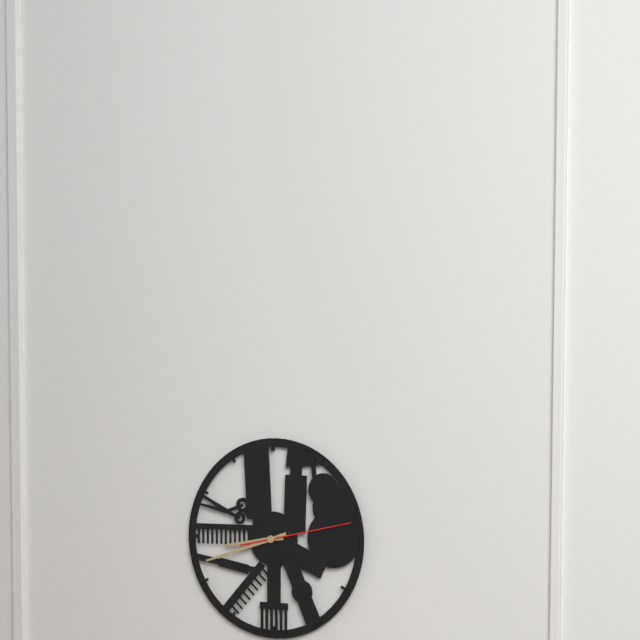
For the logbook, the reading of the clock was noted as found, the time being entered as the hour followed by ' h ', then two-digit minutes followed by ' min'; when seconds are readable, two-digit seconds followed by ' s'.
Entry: 8 h 42 min 13 s
